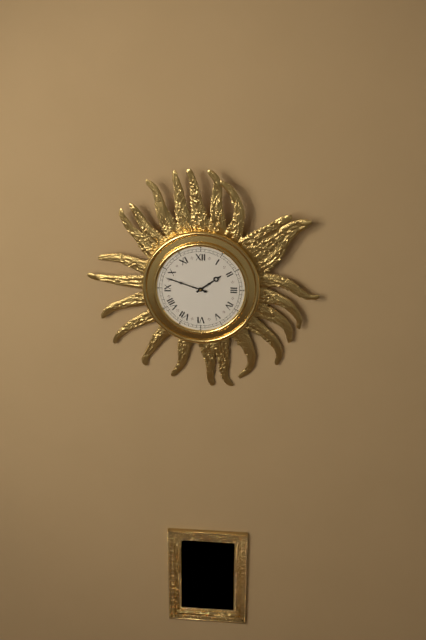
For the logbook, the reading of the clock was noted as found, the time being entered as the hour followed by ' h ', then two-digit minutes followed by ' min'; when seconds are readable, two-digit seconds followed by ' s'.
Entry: 1 h 48 min
